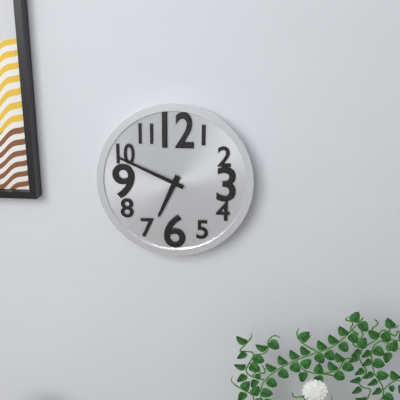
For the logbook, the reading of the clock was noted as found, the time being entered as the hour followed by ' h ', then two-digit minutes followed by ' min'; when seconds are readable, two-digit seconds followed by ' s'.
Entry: 6 h 49 min
